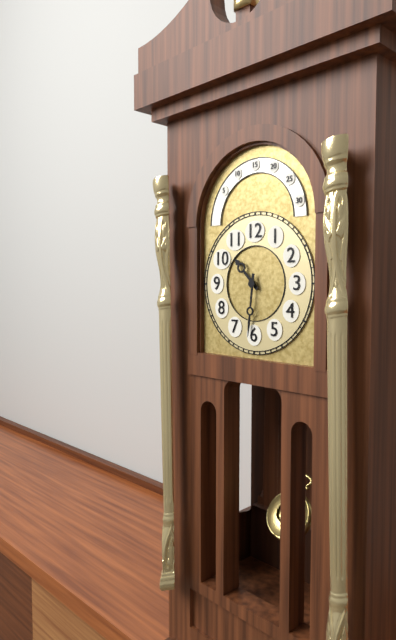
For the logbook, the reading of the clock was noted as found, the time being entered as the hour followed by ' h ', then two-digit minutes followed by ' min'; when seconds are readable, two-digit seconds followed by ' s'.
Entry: 10 h 31 min
